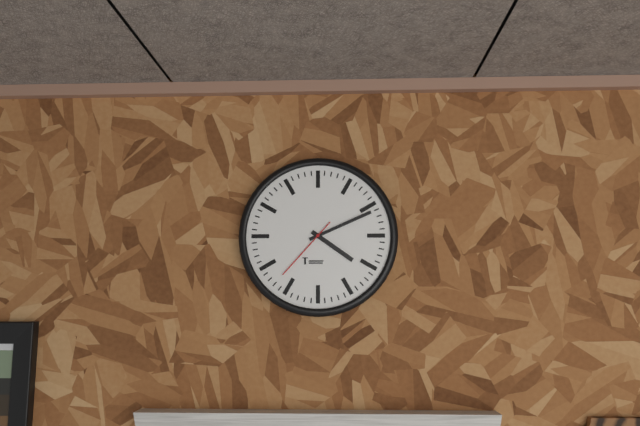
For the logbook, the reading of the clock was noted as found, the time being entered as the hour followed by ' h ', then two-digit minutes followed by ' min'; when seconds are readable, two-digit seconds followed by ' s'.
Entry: 4 h 11 min 37 s
